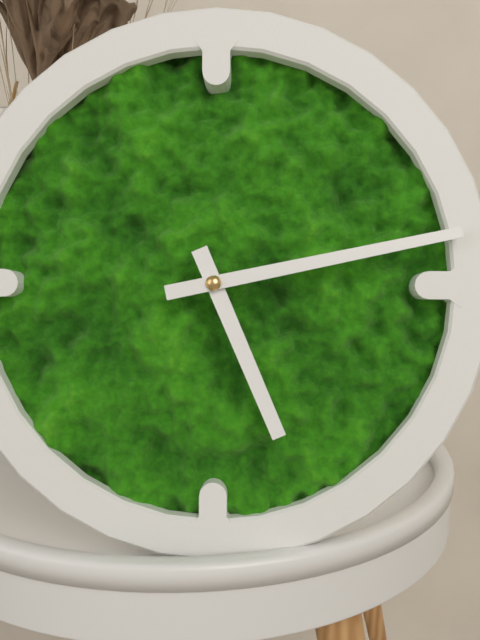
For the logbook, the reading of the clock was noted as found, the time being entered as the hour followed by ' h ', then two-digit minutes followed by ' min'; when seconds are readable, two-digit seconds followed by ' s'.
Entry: 5 h 13 min
